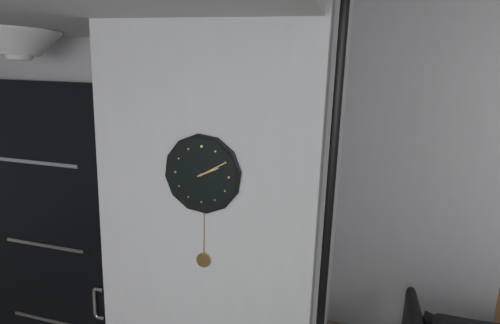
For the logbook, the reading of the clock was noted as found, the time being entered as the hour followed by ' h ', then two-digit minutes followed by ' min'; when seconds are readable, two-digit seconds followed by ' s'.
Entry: 2 h 10 min
